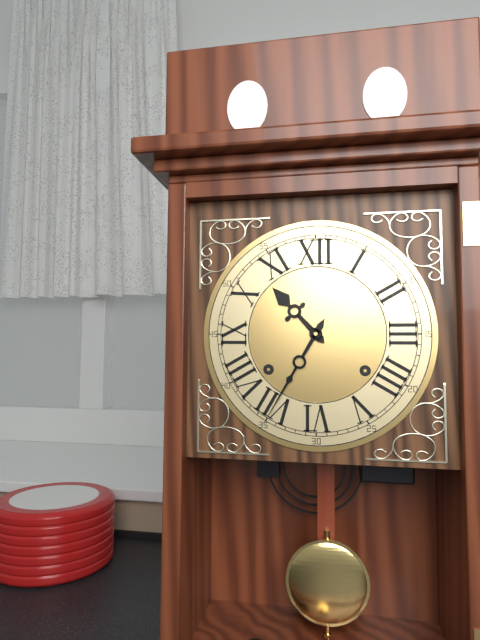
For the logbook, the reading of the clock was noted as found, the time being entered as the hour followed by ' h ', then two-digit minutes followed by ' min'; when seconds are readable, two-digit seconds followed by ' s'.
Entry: 10 h 35 min
